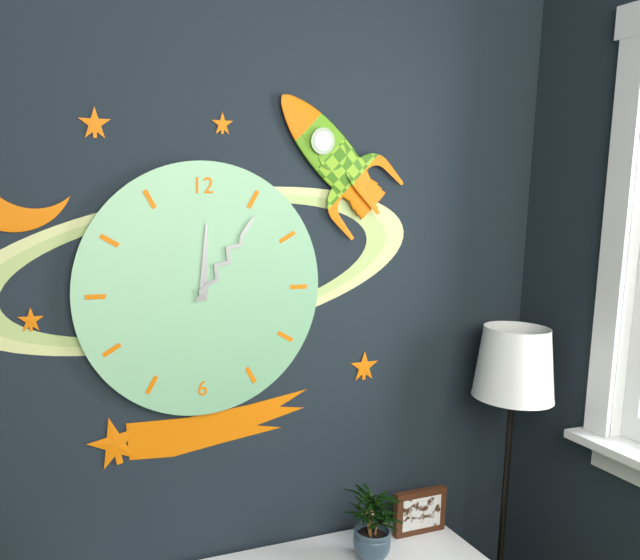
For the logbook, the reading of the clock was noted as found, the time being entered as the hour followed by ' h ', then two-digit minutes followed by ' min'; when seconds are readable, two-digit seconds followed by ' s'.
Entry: 12 h 06 min
